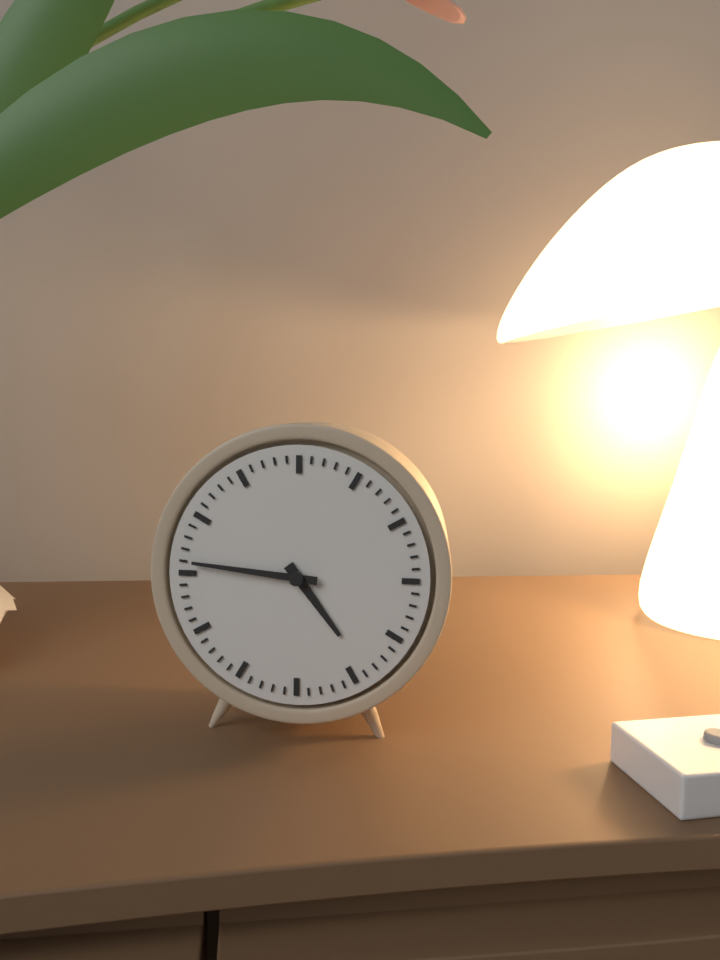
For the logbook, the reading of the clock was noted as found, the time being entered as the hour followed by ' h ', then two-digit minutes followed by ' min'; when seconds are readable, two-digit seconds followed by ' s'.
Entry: 4 h 46 min
